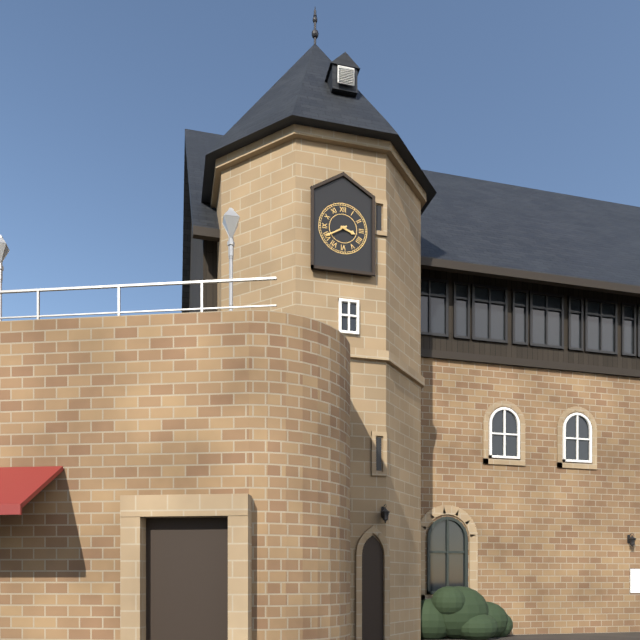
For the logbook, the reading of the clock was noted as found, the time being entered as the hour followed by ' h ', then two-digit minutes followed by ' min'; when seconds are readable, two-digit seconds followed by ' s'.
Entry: 3 h 40 min
